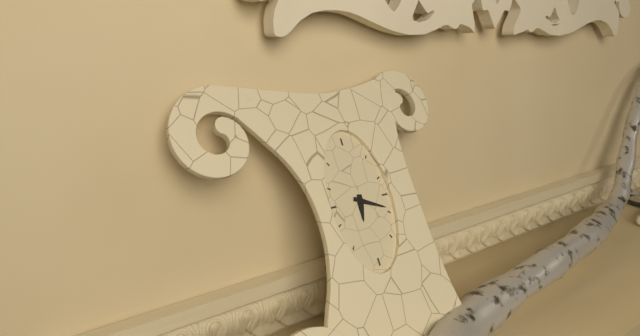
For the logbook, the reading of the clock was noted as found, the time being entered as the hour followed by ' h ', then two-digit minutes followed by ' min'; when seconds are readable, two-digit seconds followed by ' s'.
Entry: 6 h 19 min
